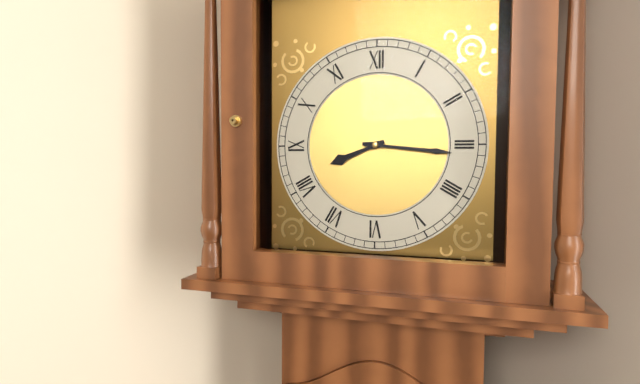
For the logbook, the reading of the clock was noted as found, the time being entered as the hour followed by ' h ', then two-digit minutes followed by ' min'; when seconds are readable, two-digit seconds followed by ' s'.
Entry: 8 h 16 min
